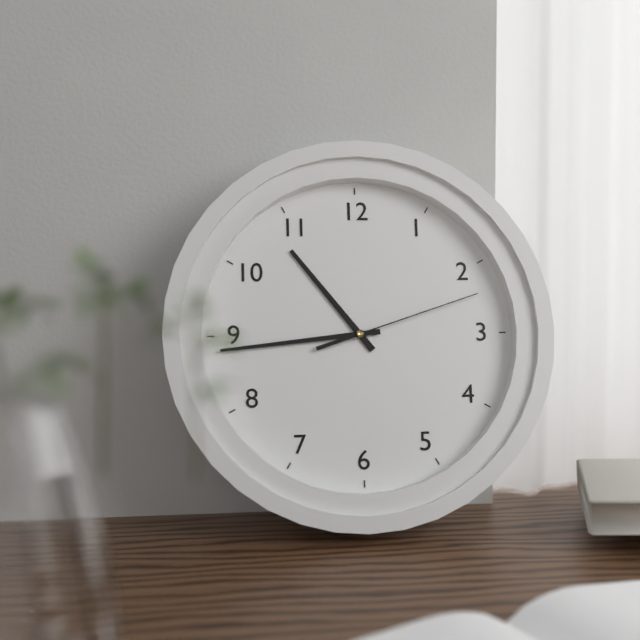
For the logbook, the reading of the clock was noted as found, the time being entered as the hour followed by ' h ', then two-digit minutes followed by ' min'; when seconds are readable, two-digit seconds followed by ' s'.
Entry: 10 h 44 min 12 s
